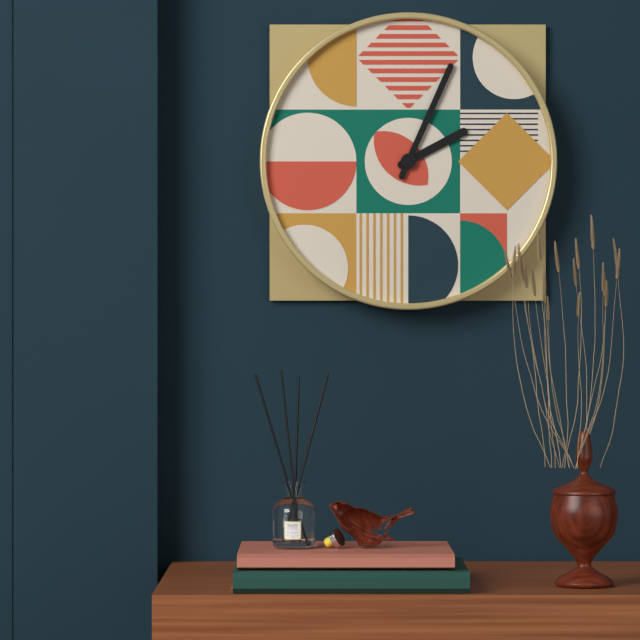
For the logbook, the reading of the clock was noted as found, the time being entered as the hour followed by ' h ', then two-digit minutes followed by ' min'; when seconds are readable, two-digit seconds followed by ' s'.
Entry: 2 h 04 min
